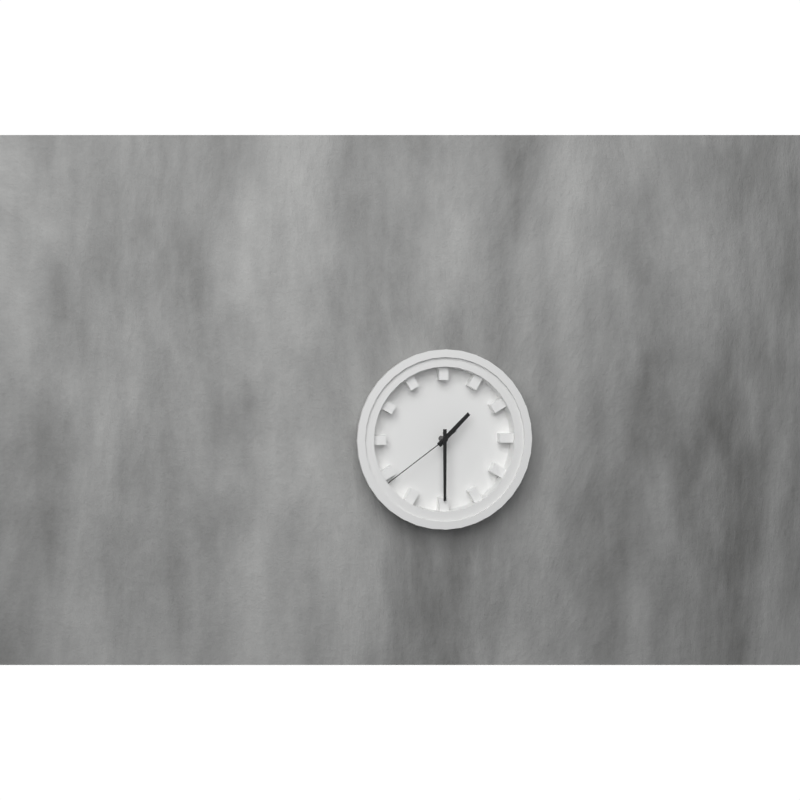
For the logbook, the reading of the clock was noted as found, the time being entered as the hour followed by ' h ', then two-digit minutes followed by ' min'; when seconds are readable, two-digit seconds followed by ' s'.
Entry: 1 h 30 min 39 s
